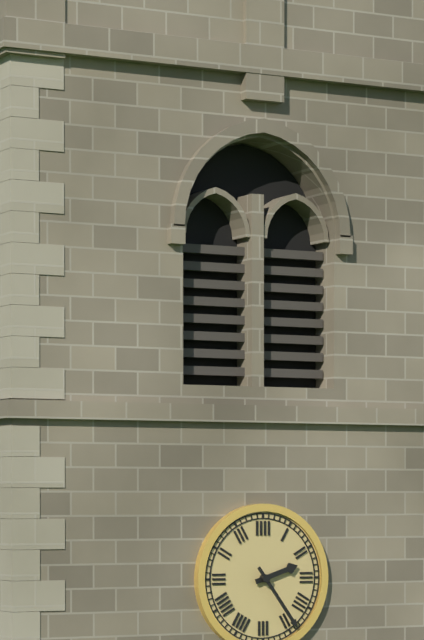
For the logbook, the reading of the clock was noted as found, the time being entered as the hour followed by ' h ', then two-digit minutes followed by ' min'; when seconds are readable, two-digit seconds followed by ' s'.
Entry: 2 h 24 min
